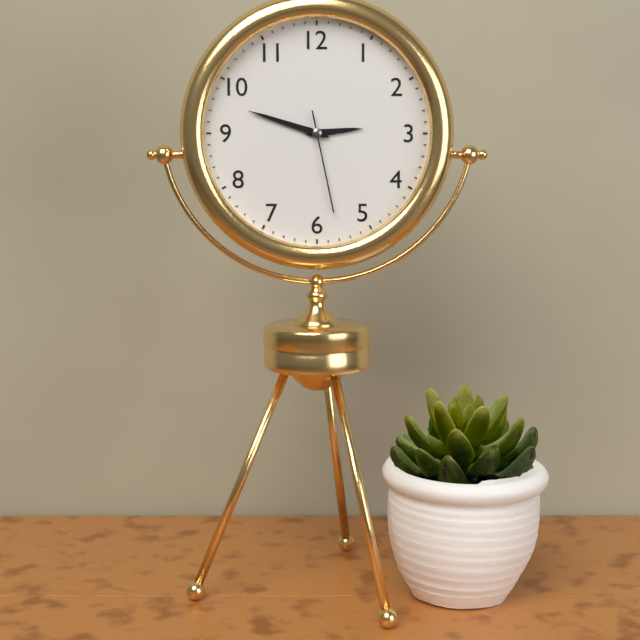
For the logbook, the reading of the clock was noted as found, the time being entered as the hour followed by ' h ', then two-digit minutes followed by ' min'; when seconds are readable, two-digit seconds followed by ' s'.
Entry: 2 h 48 min 28 s
